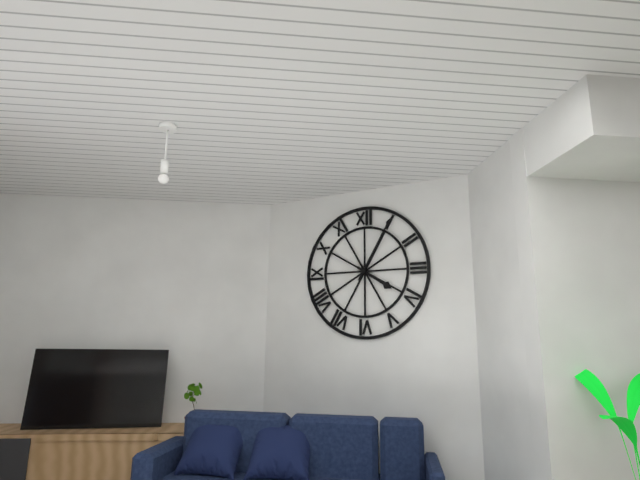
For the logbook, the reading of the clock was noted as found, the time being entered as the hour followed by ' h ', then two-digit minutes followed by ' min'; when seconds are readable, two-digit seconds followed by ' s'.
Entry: 4 h 05 min
